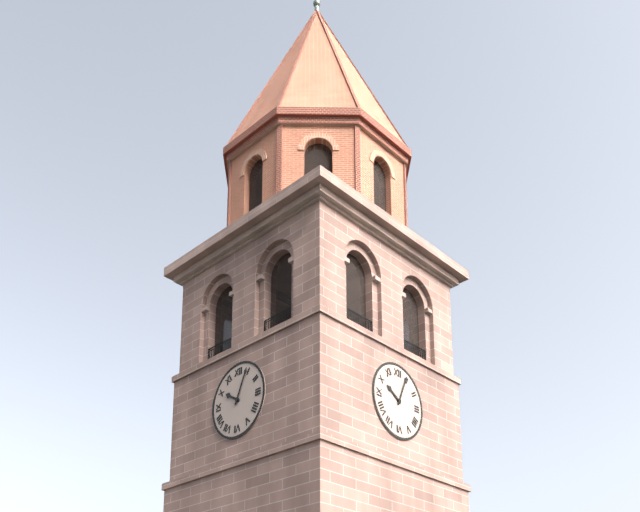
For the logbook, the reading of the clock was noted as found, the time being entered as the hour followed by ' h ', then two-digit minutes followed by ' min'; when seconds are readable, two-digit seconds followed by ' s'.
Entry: 10 h 04 min
